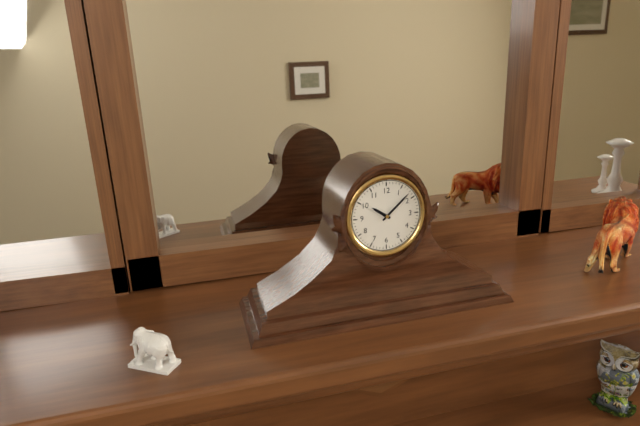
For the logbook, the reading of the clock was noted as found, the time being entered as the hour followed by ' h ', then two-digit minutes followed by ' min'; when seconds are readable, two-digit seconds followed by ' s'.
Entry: 10 h 08 min
